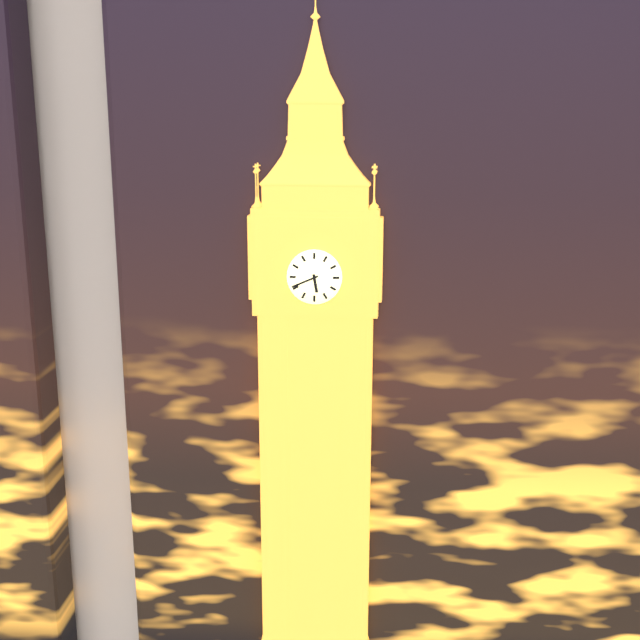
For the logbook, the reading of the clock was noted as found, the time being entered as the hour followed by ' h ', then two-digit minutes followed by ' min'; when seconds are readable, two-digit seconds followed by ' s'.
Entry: 5 h 41 min
